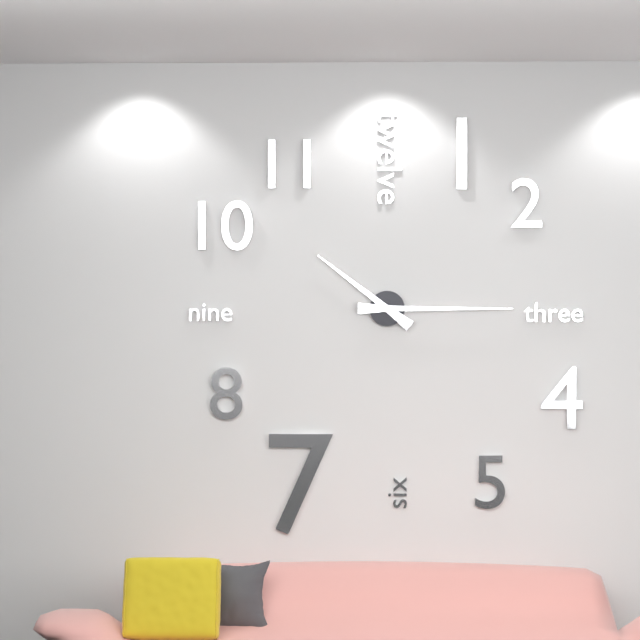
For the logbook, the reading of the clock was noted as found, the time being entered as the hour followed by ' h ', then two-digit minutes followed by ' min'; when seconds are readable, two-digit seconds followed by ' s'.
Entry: 10 h 15 min
